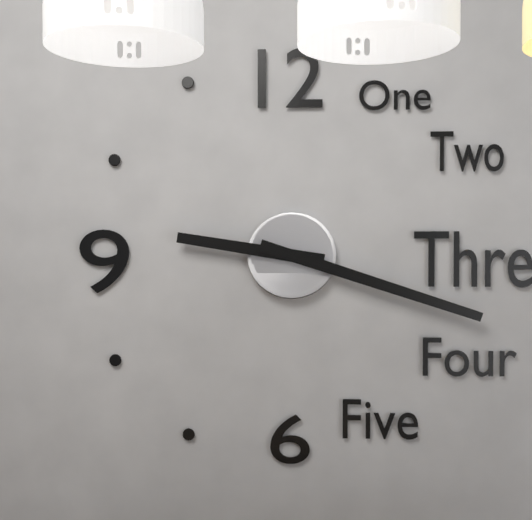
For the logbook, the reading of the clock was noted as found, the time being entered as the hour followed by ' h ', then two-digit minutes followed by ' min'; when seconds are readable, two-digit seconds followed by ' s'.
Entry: 9 h 18 min
